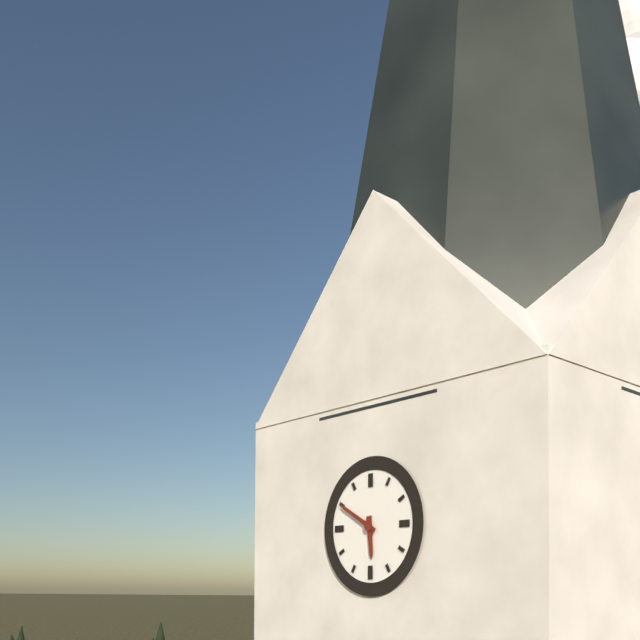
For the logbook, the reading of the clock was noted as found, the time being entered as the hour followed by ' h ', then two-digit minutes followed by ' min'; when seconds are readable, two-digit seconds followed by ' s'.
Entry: 5 h 50 min
